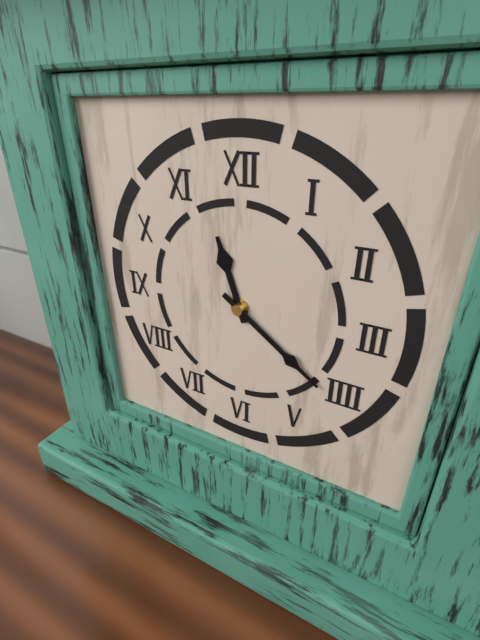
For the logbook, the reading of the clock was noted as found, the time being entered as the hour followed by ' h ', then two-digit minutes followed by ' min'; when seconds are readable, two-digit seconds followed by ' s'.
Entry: 11 h 21 min
